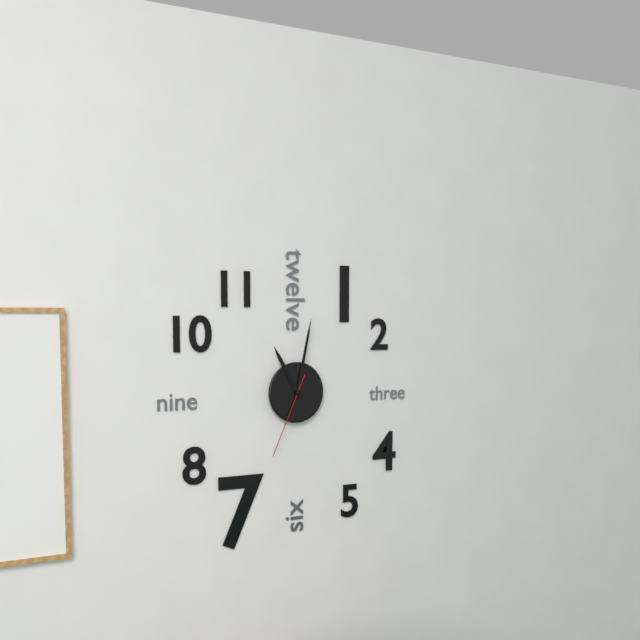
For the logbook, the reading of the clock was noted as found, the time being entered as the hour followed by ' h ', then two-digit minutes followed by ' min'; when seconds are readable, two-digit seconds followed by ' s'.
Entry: 11 h 02 min 34 s
